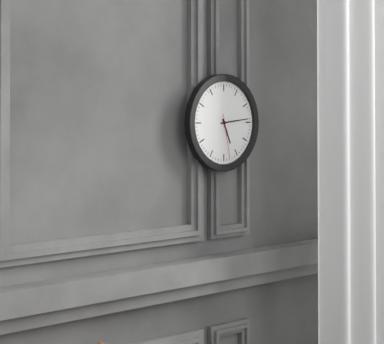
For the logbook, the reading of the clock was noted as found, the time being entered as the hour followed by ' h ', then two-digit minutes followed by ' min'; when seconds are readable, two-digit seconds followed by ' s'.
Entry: 5 h 14 min
